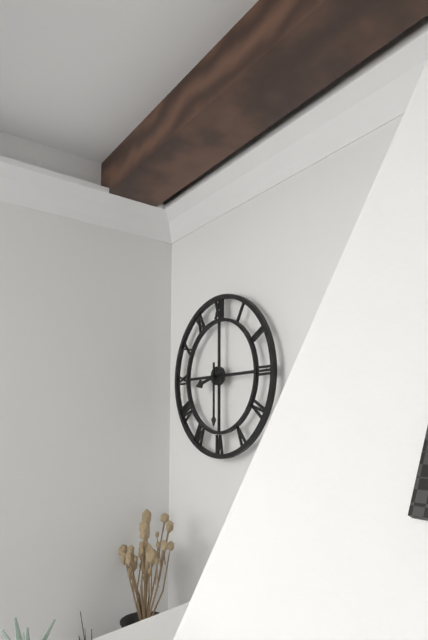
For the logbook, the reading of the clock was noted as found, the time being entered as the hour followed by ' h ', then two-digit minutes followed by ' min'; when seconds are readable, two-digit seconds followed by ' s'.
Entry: 8 h 30 min
